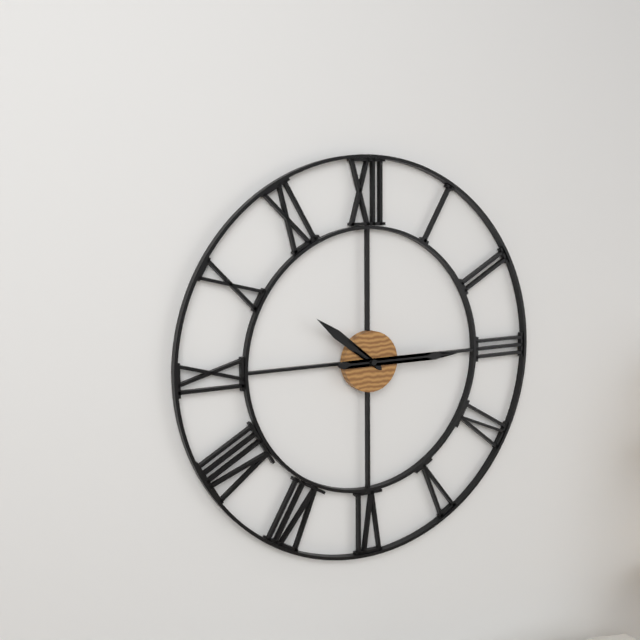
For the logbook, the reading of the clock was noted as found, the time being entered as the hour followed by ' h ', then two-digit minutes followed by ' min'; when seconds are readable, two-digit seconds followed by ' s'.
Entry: 10 h 15 min
